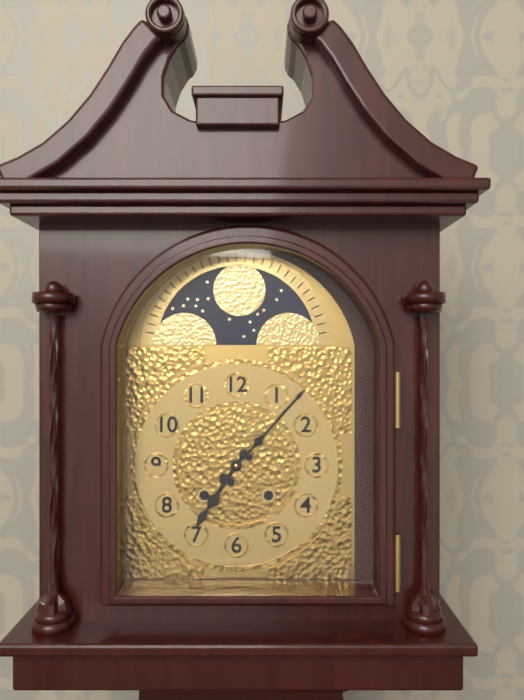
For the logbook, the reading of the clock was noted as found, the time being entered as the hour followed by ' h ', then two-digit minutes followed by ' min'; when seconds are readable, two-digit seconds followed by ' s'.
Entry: 7 h 07 min
